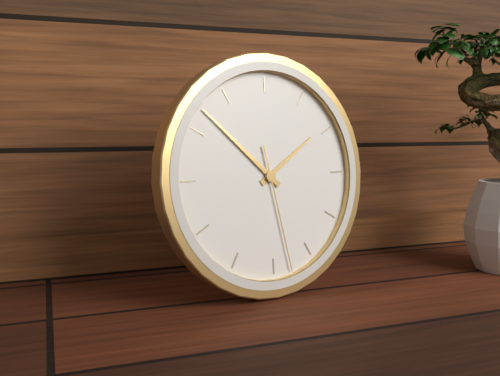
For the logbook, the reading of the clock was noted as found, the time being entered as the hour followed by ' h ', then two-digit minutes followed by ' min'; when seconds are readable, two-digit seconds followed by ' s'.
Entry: 1 h 52 min 28 s
